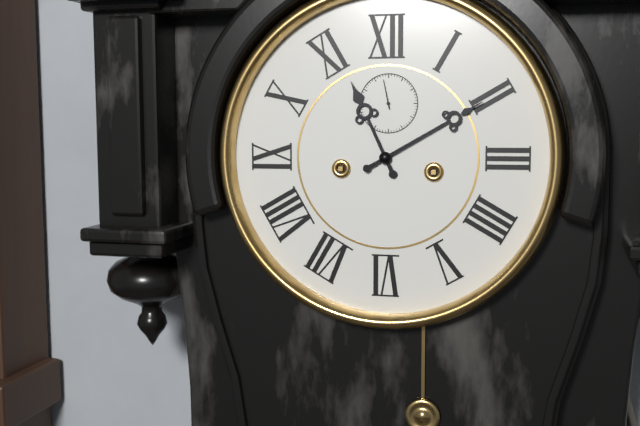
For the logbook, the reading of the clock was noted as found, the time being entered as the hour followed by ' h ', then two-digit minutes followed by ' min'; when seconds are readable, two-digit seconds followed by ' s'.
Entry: 11 h 10 min
